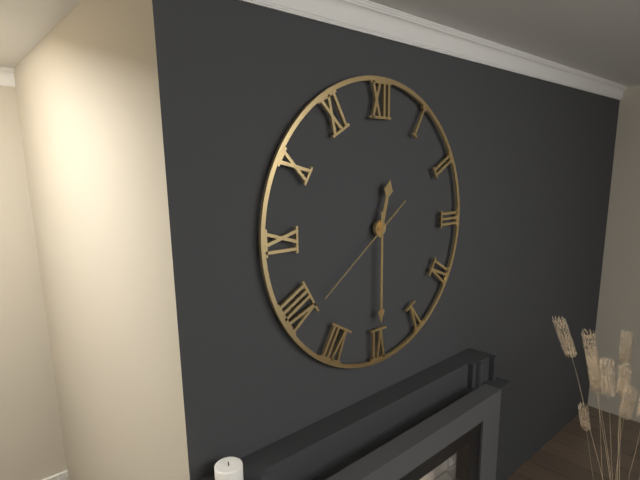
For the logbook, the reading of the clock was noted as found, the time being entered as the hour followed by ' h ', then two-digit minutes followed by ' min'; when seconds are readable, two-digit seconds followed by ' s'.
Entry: 12 h 30 min 39 s
